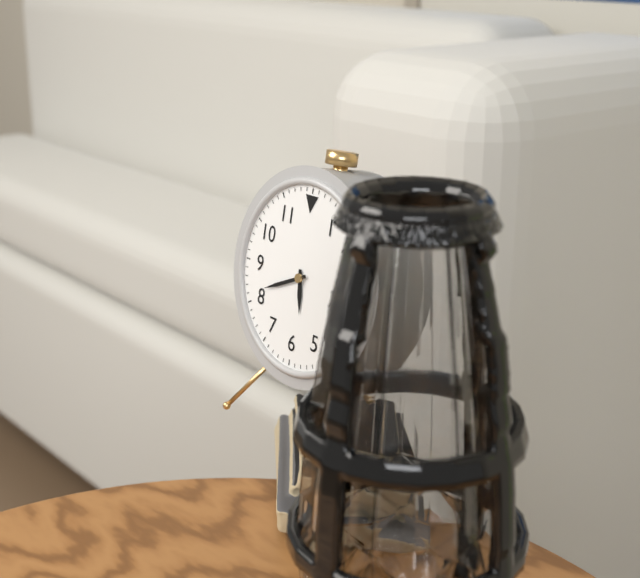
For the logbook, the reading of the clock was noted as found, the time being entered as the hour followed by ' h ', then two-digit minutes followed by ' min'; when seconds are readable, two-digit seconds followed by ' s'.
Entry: 5 h 41 min
